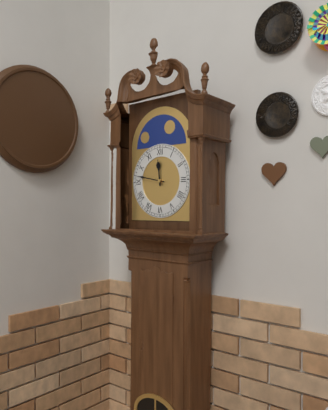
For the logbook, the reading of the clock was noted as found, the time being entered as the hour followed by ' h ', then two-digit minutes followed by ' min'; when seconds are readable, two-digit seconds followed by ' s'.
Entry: 11 h 47 min
